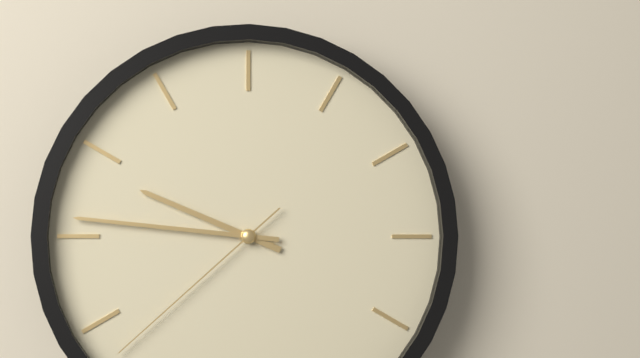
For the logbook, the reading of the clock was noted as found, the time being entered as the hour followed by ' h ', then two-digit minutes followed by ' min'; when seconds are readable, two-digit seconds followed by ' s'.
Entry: 9 h 46 min 38 s
